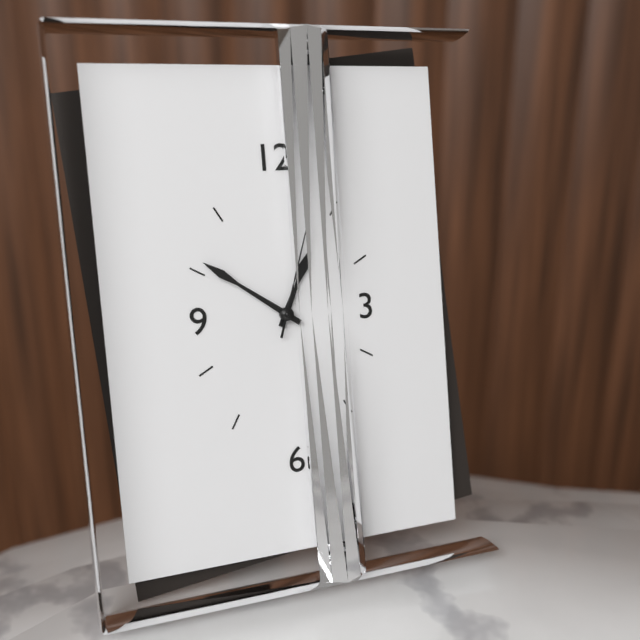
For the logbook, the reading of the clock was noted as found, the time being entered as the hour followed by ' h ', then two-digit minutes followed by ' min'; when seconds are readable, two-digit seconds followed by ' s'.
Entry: 12 h 51 min 03 s
